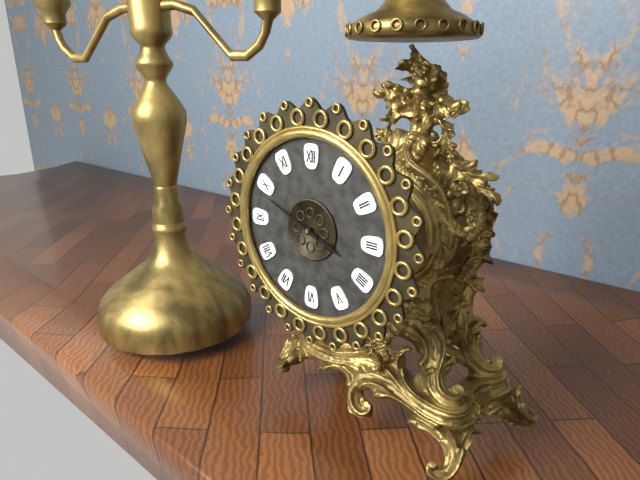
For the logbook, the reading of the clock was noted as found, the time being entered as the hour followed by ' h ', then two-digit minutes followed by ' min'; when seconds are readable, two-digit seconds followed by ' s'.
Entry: 3 h 49 min
